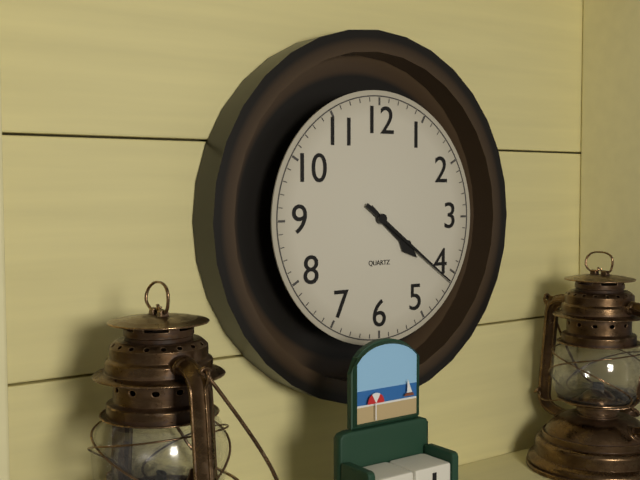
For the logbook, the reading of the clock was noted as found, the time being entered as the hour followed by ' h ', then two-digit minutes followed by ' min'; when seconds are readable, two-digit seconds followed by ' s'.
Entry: 4 h 21 min
